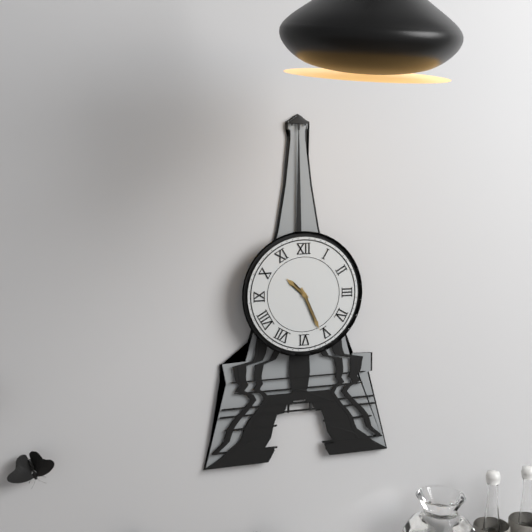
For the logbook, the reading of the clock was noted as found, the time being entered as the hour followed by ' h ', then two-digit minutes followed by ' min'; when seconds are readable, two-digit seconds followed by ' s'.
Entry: 10 h 26 min
